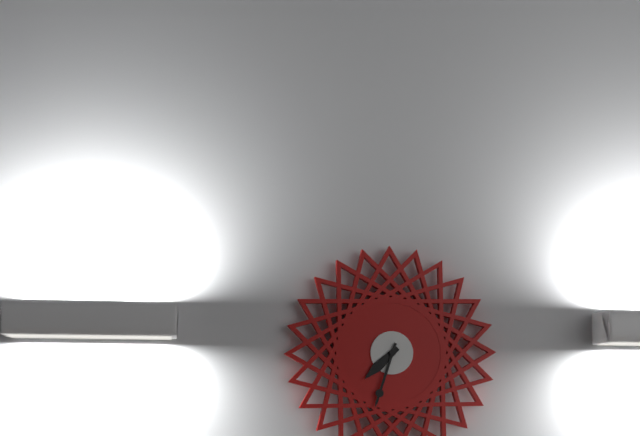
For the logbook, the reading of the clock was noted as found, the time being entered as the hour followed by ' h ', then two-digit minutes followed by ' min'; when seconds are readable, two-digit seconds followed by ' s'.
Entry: 7 h 33 min
